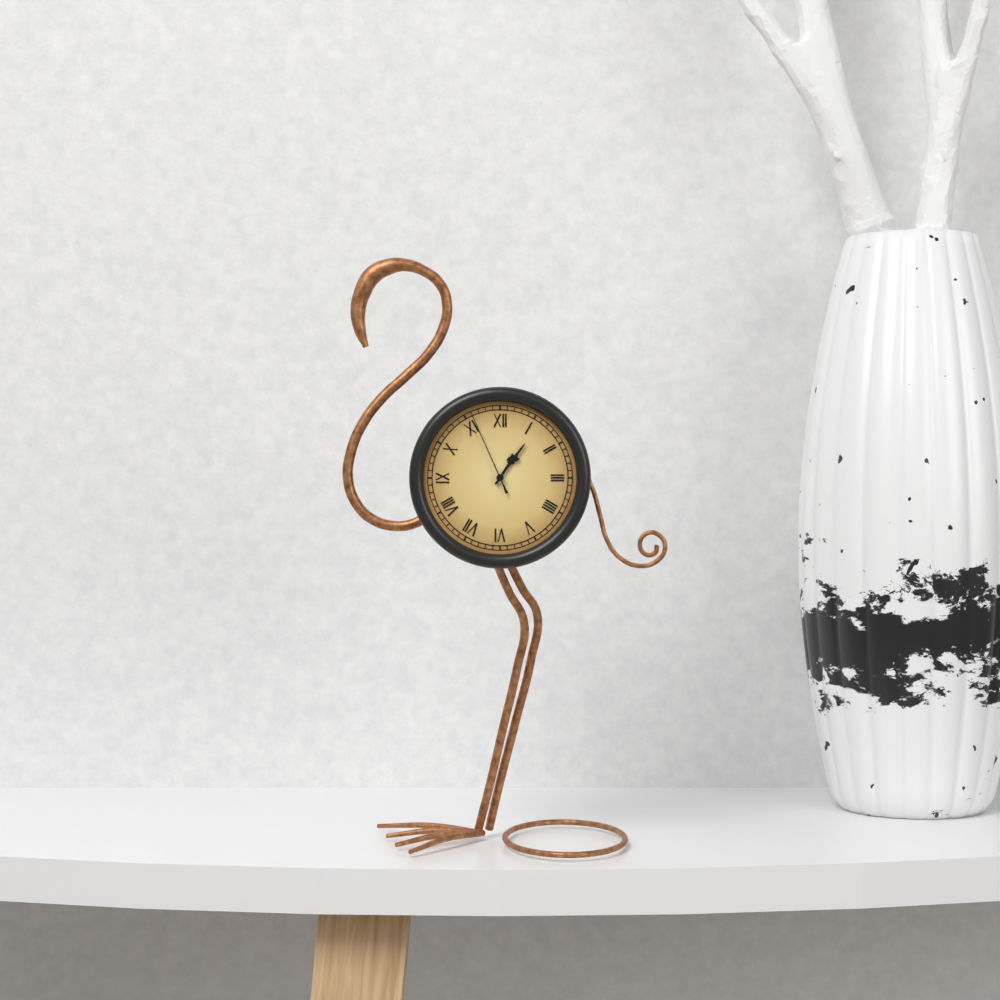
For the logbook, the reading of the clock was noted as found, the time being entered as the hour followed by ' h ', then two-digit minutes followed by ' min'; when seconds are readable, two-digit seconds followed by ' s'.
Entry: 1 h 06 min 56 s
